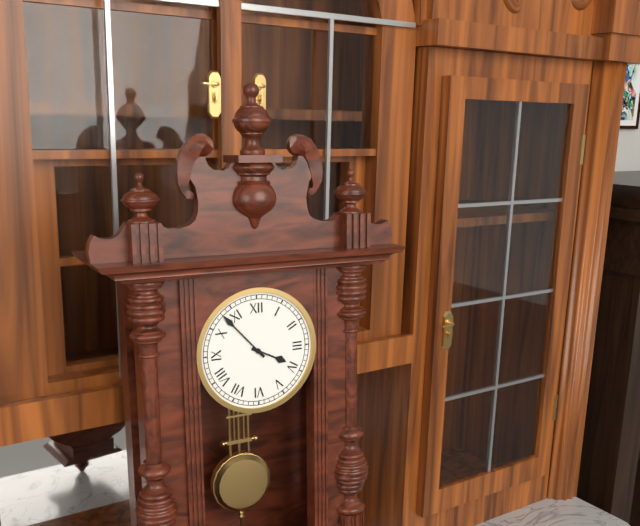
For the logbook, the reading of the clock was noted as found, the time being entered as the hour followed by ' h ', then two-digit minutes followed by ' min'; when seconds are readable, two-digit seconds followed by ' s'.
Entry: 3 h 53 min
